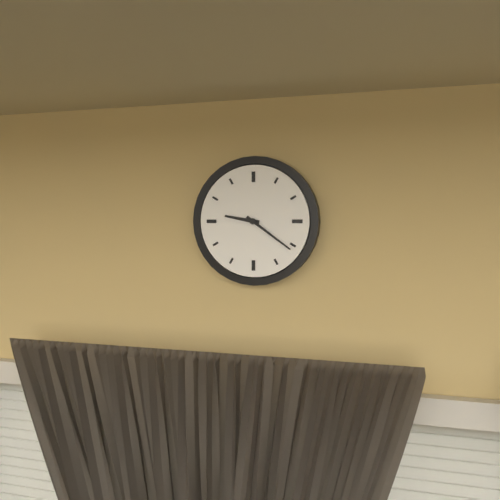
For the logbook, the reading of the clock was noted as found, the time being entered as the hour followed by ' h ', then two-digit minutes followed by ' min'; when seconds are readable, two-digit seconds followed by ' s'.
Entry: 9 h 21 min
